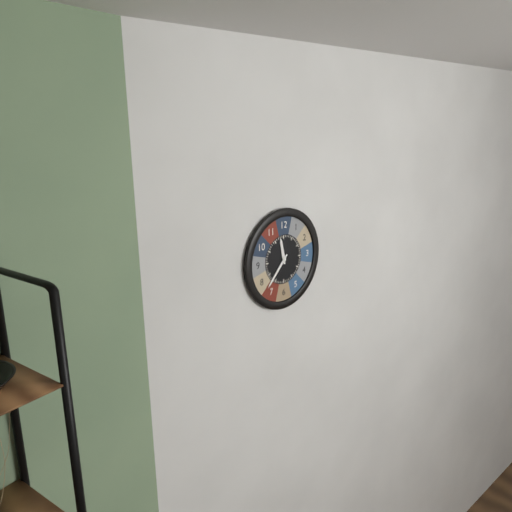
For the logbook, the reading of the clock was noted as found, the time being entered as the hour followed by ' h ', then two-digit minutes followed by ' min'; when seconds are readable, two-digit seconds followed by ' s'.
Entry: 11 h 37 min
